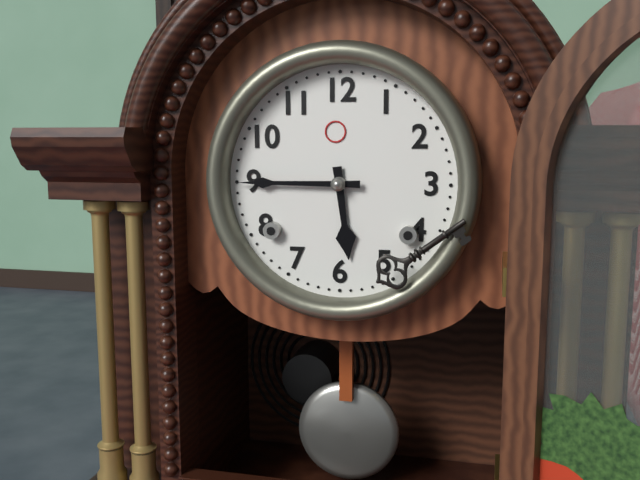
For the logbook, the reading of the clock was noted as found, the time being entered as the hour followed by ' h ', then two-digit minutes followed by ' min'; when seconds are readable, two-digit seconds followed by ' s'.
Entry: 5 h 45 min
